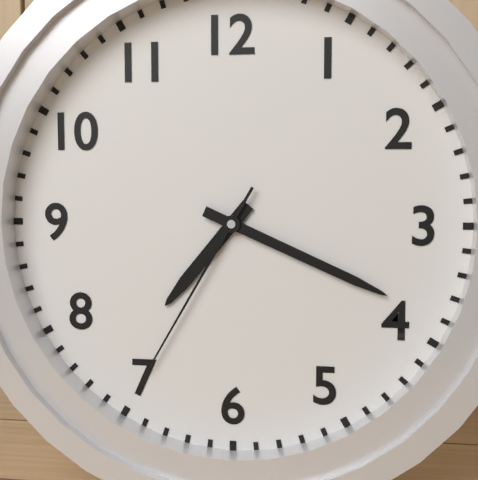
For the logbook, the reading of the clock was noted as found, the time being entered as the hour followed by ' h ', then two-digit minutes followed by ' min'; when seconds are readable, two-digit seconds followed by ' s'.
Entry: 7 h 19 min 35 s
